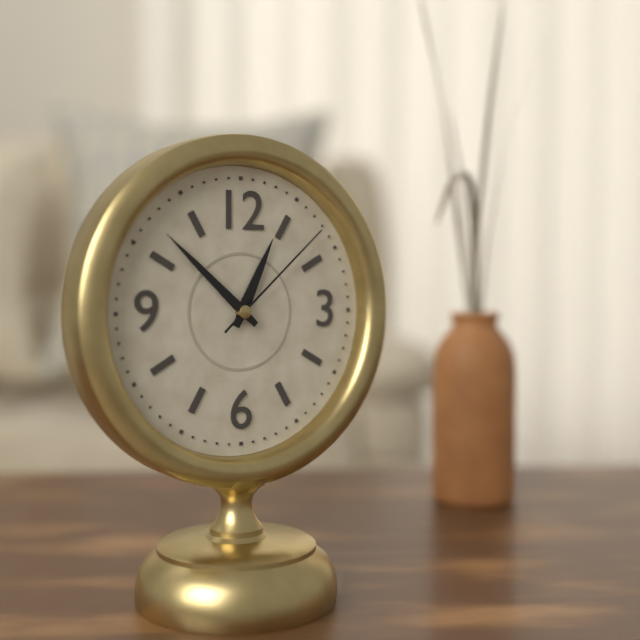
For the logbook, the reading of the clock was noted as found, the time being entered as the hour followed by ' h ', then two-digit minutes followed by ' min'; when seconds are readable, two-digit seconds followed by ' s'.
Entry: 12 h 52 min 08 s
